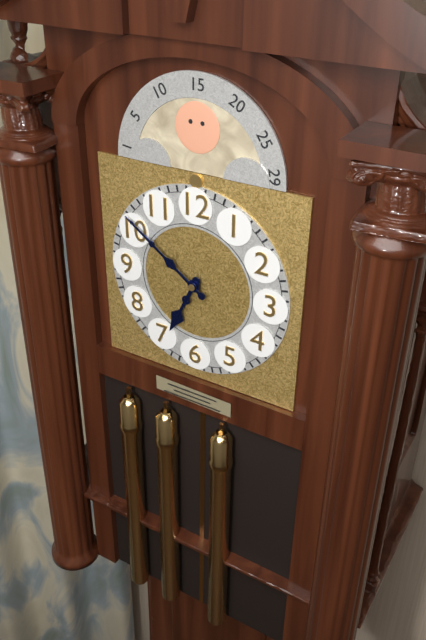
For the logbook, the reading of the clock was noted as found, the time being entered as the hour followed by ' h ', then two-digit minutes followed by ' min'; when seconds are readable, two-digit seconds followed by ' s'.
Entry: 6 h 51 min
